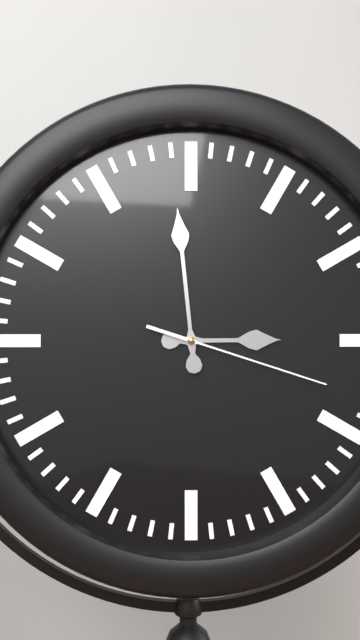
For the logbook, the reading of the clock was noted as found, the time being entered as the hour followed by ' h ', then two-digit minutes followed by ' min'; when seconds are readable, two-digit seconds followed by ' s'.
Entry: 2 h 59 min 18 s
